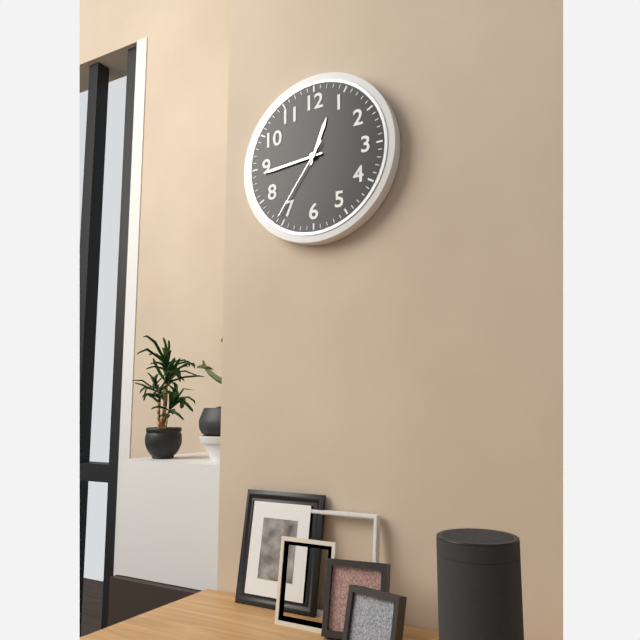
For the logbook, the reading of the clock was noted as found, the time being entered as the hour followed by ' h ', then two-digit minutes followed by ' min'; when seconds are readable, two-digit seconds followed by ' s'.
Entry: 12 h 44 min 36 s
